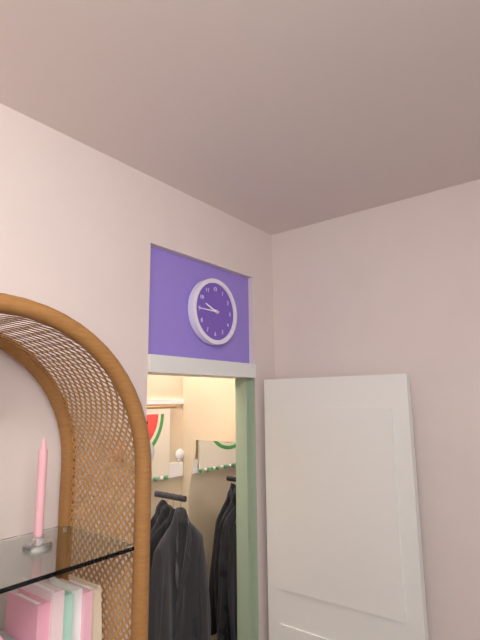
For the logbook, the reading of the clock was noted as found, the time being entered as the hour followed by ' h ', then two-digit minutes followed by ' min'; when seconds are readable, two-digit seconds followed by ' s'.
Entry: 9 h 45 min
